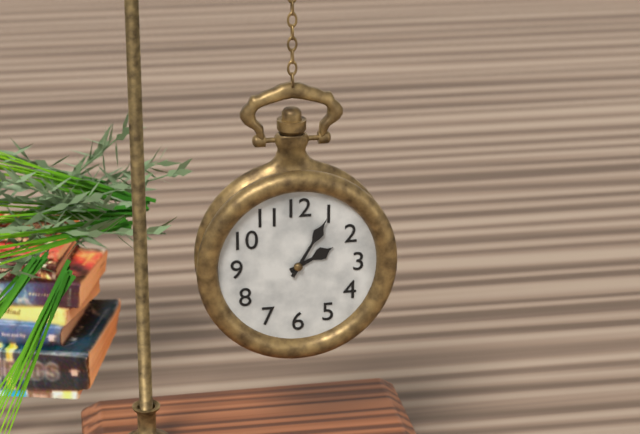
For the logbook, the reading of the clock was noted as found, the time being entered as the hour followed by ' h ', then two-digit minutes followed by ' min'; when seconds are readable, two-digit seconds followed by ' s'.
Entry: 2 h 05 min
